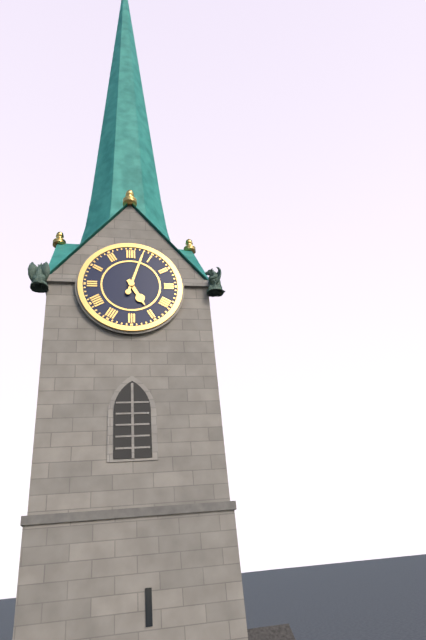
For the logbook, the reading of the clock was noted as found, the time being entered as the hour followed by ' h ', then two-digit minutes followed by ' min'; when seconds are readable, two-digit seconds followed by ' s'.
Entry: 5 h 03 min
